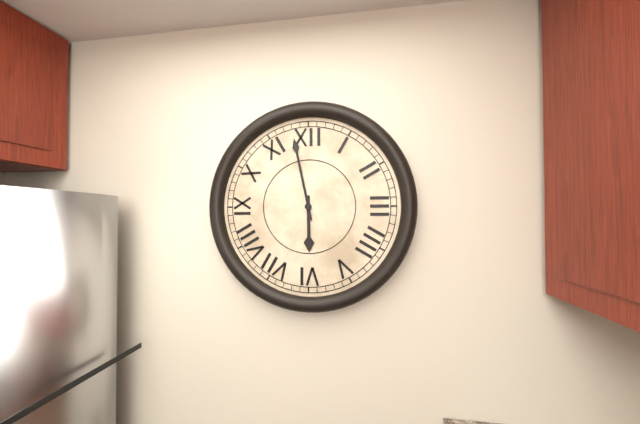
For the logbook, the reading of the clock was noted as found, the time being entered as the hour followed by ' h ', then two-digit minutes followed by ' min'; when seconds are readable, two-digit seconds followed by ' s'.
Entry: 5 h 58 min
